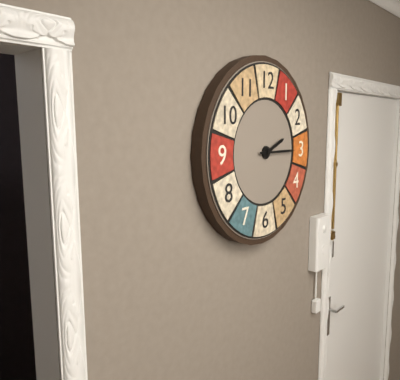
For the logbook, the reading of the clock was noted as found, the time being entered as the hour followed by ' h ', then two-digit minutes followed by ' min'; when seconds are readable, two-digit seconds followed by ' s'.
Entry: 2 h 15 min
